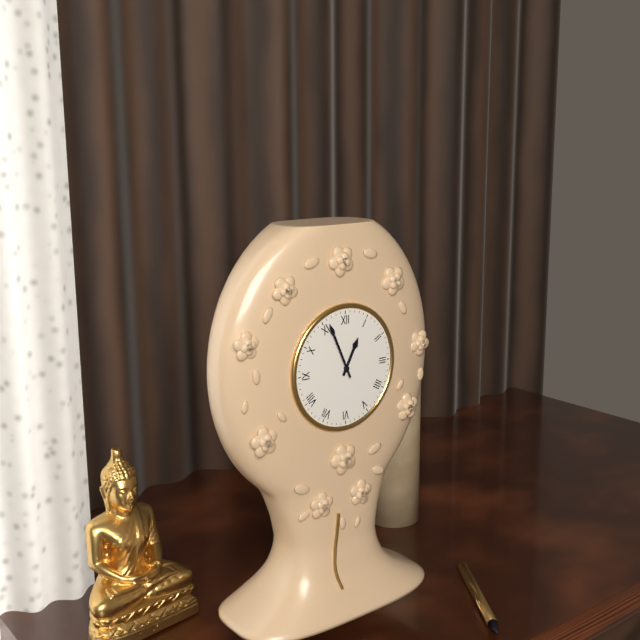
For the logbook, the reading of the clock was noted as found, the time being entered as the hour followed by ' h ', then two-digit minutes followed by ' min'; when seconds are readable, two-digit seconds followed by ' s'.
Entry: 12 h 56 min
